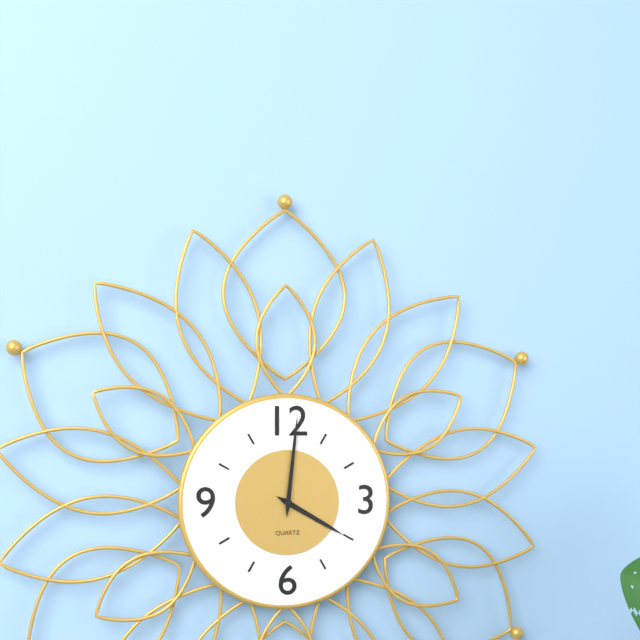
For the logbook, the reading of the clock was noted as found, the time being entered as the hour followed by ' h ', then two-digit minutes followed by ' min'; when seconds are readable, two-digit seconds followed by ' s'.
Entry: 4 h 01 min
